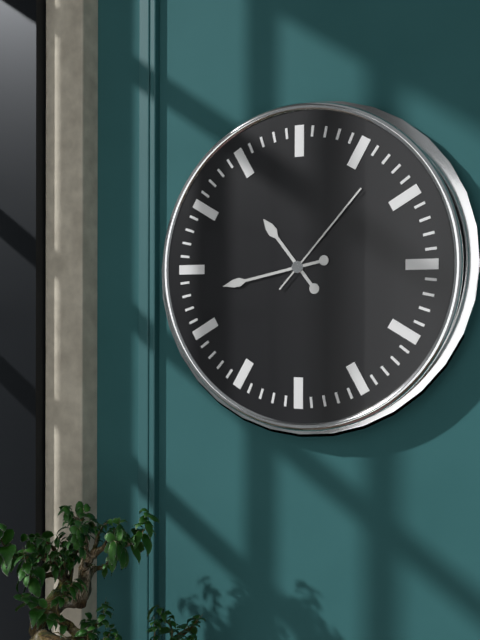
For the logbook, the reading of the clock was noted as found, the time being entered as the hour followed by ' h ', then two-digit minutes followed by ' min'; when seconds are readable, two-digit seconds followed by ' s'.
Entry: 10 h 43 min 07 s
